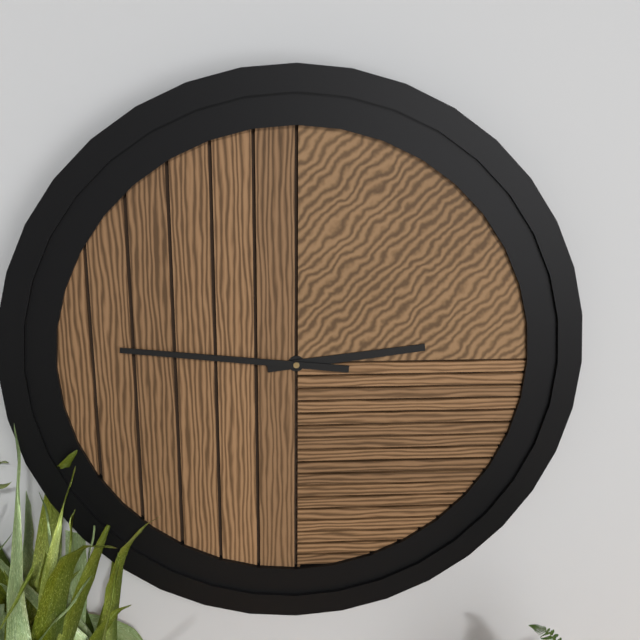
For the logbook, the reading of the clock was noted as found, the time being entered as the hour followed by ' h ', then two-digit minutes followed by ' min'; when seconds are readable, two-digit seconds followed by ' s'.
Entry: 2 h 46 min
